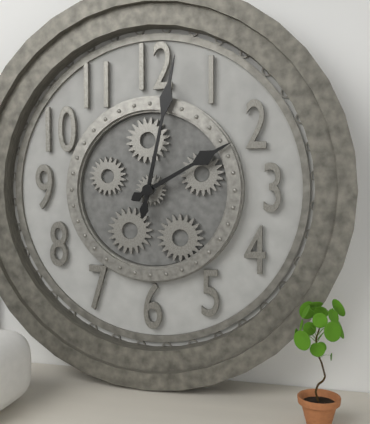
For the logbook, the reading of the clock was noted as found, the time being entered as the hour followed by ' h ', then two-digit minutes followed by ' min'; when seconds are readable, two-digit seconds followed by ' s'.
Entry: 2 h 02 min
